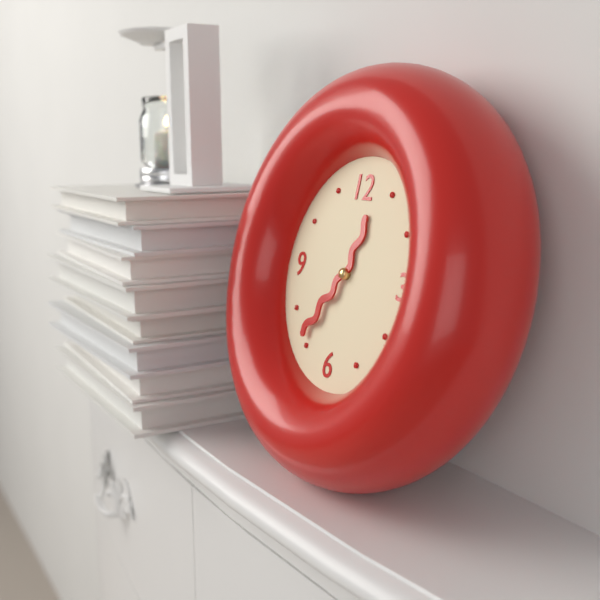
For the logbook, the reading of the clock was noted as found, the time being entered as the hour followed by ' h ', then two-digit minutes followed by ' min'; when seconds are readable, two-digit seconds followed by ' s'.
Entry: 12 h 36 min
